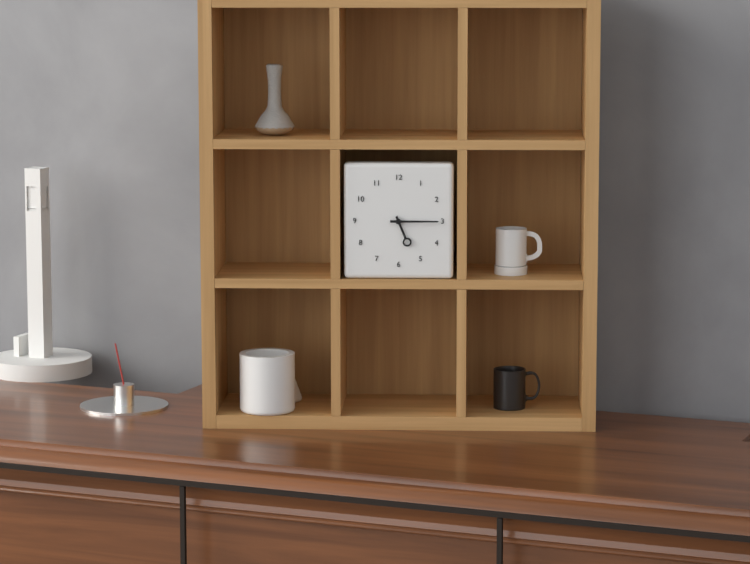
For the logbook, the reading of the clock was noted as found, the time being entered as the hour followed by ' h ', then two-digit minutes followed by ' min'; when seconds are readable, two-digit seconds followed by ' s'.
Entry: 5 h 15 min
